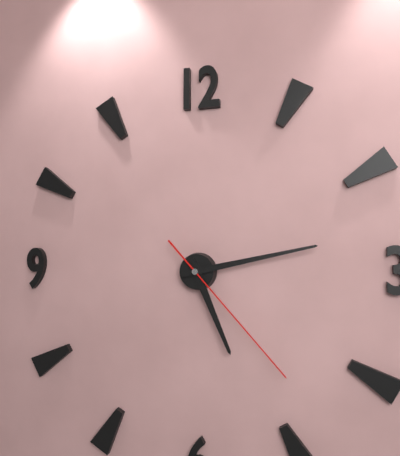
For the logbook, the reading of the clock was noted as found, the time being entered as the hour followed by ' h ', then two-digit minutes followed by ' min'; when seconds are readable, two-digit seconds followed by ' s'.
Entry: 5 h 13 min 23 s
